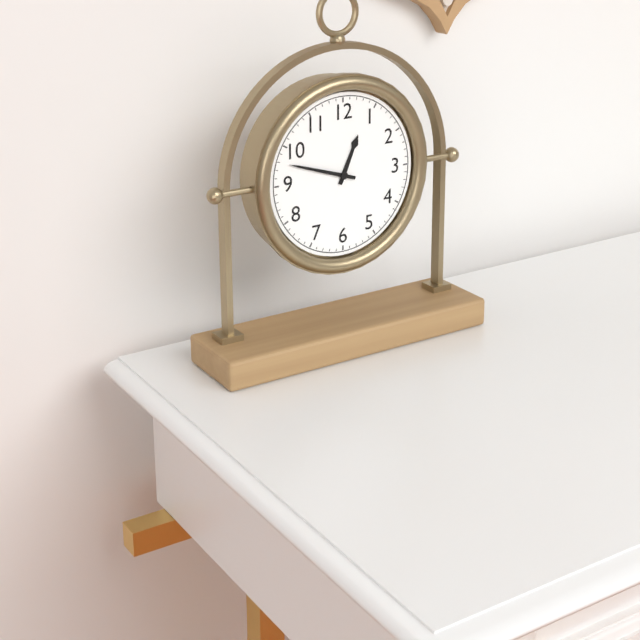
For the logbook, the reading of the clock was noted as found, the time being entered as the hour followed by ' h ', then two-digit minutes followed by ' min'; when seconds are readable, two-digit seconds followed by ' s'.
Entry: 12 h 48 min
